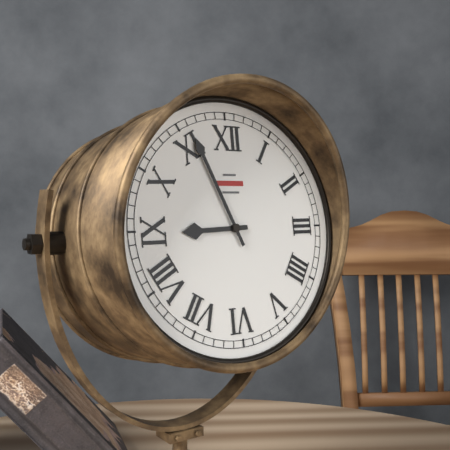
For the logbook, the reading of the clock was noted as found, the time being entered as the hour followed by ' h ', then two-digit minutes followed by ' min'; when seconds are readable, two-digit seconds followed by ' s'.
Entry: 8 h 56 min
